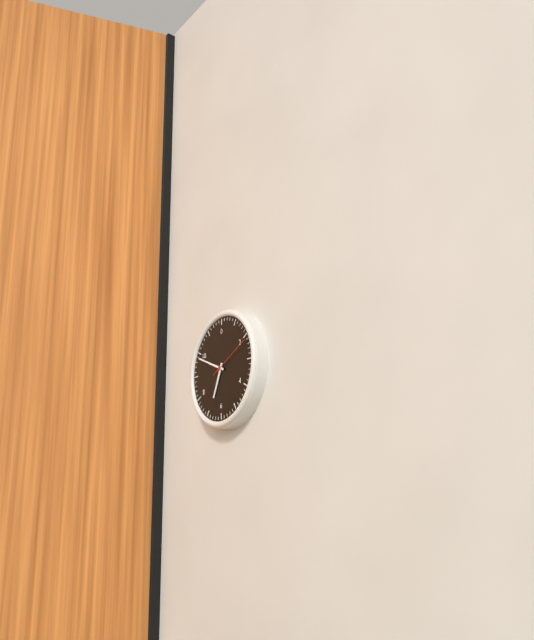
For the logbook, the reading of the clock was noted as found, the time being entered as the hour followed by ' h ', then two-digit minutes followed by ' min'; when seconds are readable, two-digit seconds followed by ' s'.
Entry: 6 h 49 min
